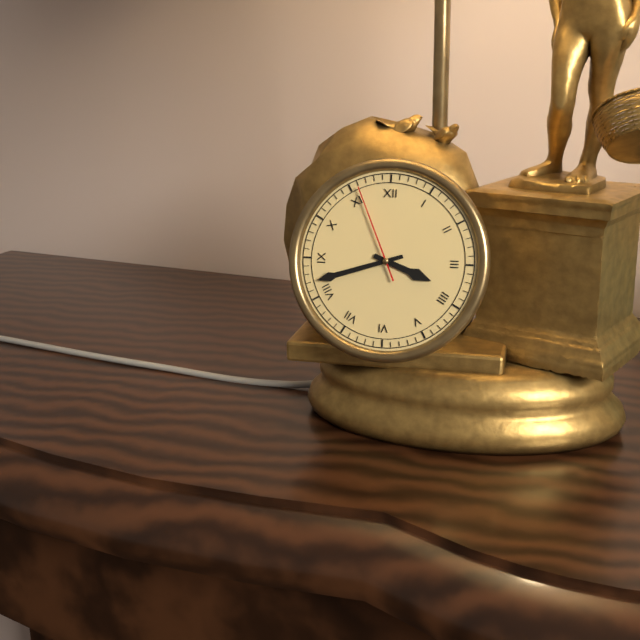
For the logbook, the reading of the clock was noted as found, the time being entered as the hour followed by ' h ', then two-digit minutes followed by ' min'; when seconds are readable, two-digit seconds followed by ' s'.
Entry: 3 h 42 min 56 s
